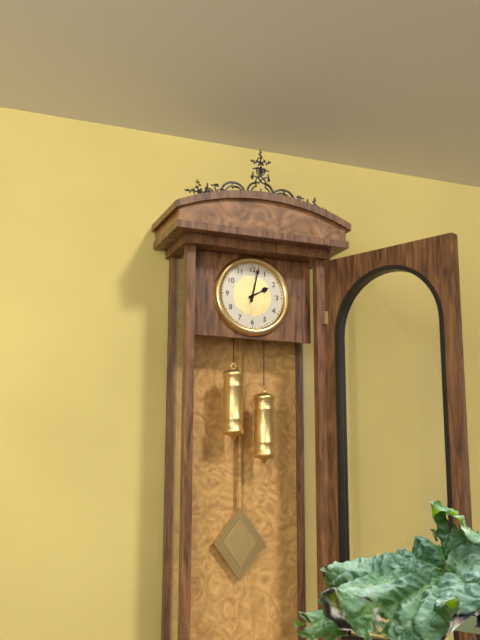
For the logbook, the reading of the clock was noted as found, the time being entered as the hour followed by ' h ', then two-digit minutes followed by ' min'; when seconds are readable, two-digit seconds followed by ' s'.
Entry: 2 h 02 min
